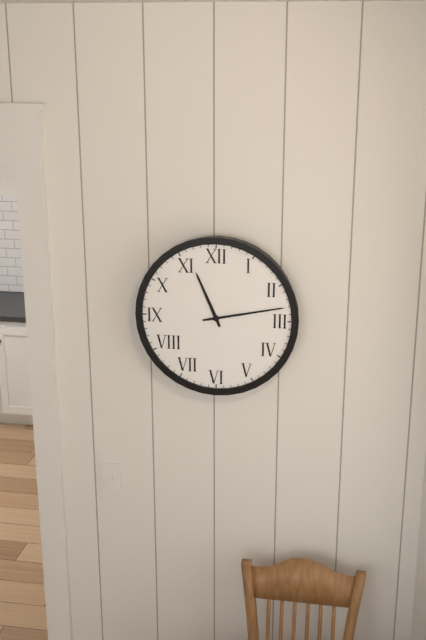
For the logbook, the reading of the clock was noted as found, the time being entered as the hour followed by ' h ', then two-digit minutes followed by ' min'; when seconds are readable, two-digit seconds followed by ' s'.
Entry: 11 h 13 min
